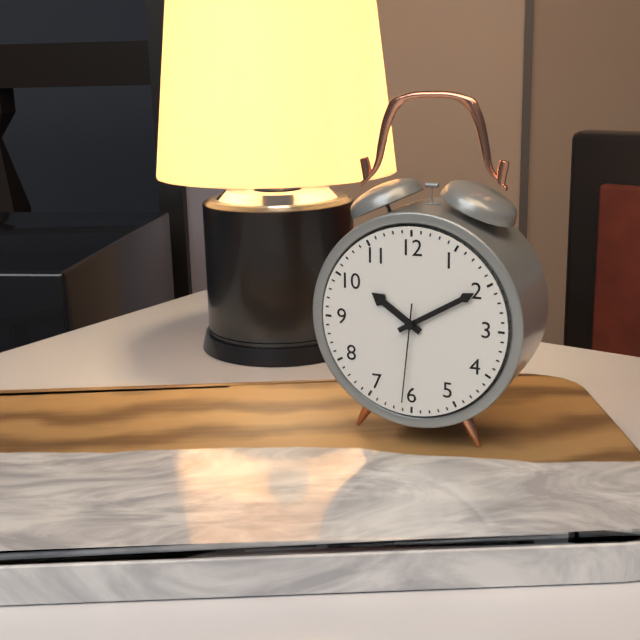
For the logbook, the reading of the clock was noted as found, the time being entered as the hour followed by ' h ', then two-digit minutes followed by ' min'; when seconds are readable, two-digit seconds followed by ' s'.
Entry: 10 h 10 min 31 s
